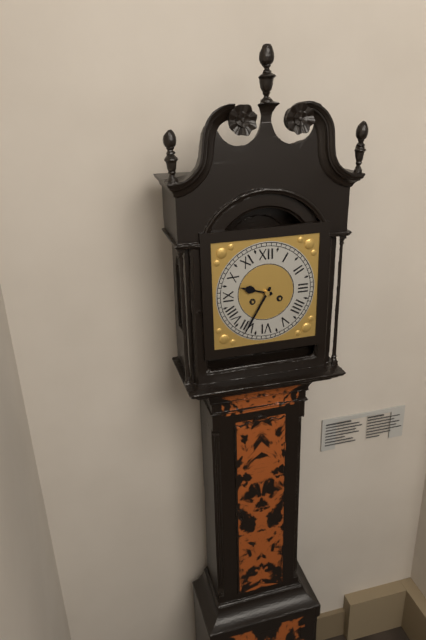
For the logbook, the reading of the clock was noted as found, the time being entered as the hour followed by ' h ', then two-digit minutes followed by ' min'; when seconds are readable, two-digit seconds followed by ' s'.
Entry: 9 h 35 min
